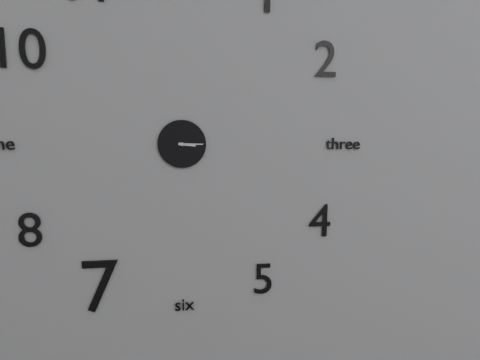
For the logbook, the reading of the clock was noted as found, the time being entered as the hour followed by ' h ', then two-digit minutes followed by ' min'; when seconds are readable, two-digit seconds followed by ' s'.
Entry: 3 h 15 min
